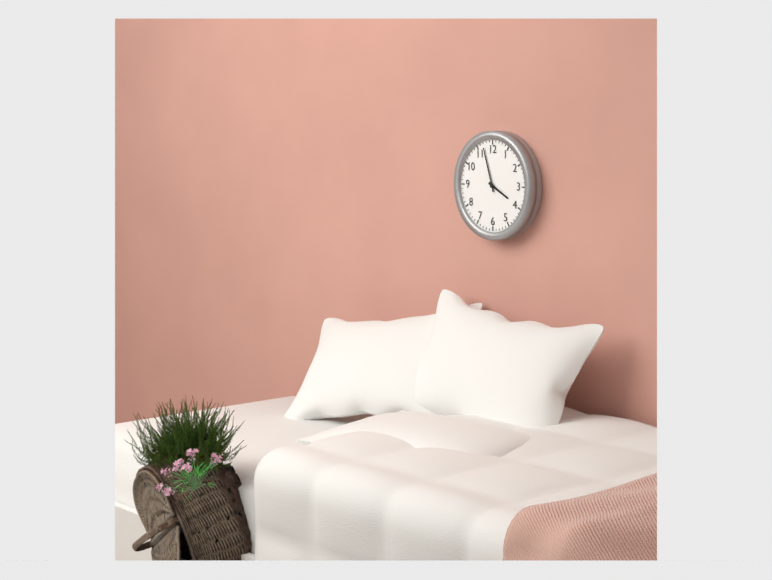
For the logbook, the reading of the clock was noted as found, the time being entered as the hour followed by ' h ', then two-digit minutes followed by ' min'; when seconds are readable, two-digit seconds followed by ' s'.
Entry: 3 h 57 min
